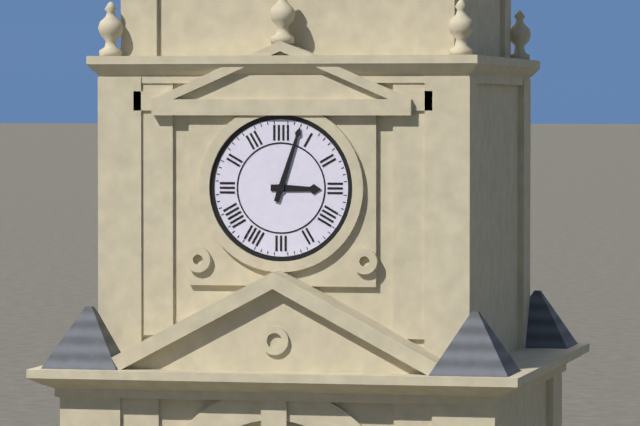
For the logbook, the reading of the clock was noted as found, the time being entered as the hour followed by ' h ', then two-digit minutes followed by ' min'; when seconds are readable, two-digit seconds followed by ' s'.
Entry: 3 h 03 min
